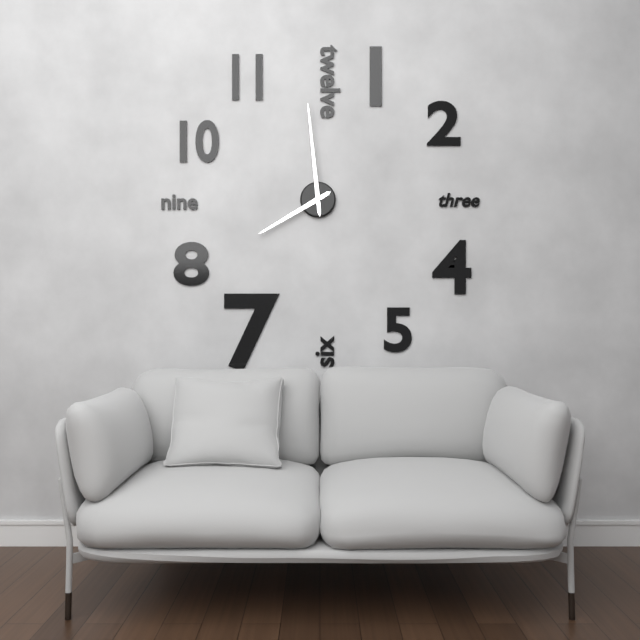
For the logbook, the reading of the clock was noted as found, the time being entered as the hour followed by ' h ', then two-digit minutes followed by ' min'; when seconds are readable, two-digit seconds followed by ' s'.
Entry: 7 h 59 min
